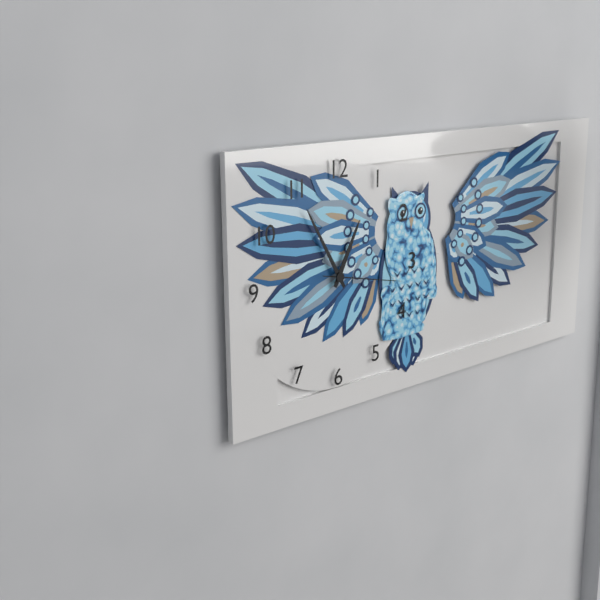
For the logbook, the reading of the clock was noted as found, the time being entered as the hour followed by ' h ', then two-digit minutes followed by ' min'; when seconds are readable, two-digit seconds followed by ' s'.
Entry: 12 h 55 min 17 s
